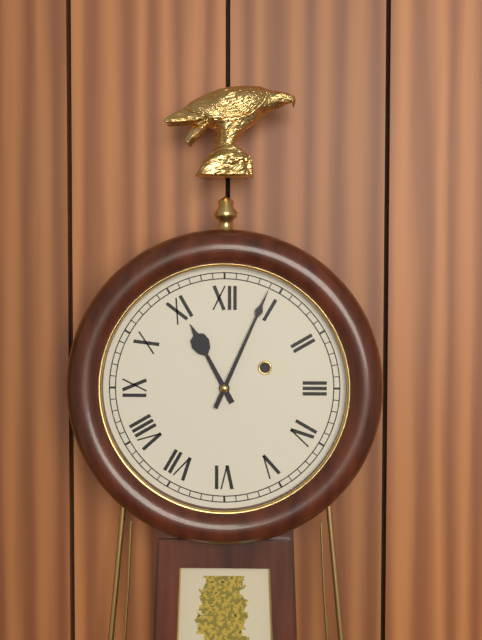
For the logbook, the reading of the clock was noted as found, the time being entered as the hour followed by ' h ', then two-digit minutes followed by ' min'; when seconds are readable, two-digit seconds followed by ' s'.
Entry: 11 h 04 min
